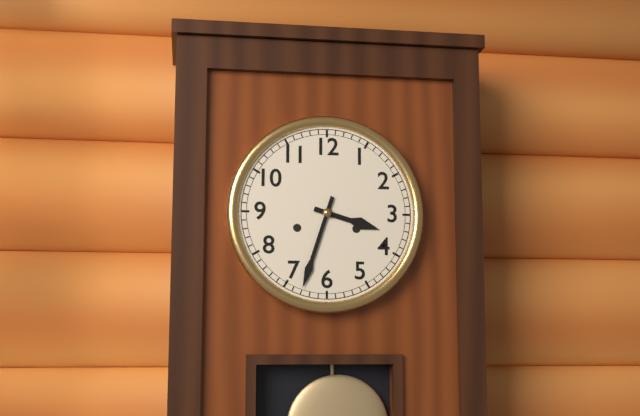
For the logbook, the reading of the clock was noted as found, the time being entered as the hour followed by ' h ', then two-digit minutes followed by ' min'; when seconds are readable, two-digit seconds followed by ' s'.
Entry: 3 h 33 min
